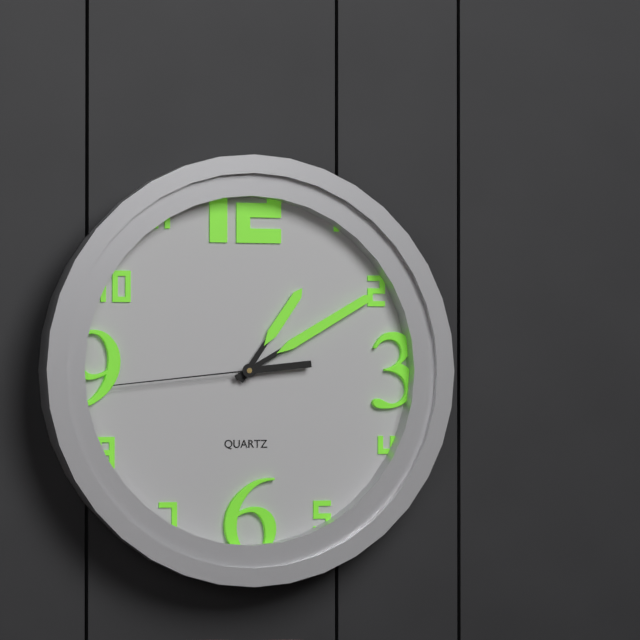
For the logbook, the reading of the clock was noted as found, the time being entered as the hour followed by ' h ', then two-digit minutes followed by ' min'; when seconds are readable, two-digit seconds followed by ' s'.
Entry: 1 h 10 min 44 s
